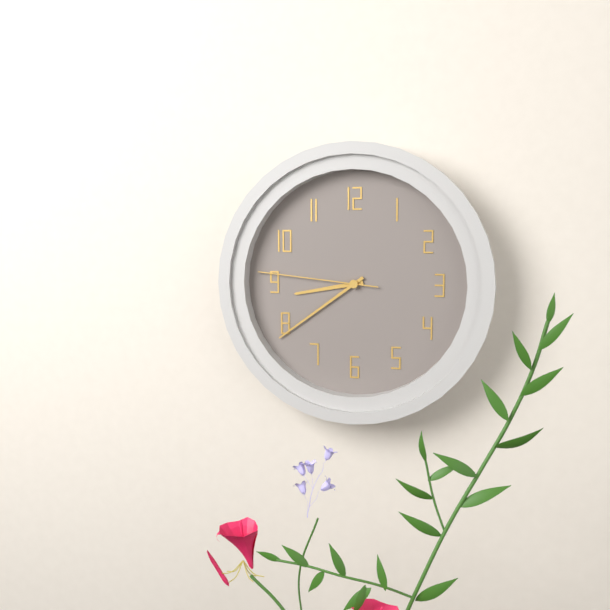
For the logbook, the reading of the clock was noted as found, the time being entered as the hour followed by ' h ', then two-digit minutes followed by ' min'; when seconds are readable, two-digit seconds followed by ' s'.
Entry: 8 h 39 min 46 s
